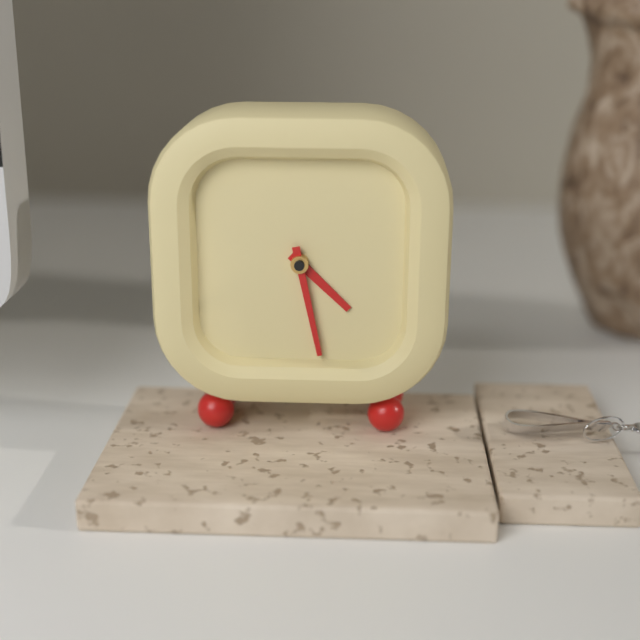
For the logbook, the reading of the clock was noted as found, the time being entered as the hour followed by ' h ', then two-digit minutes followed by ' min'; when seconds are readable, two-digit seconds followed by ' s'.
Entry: 4 h 28 min
